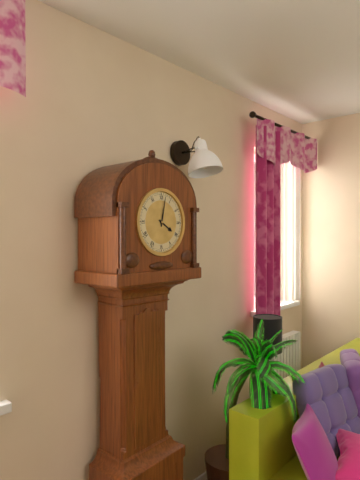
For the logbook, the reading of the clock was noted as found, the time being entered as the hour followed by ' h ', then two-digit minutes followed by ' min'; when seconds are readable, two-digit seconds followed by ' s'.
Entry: 4 h 02 min
